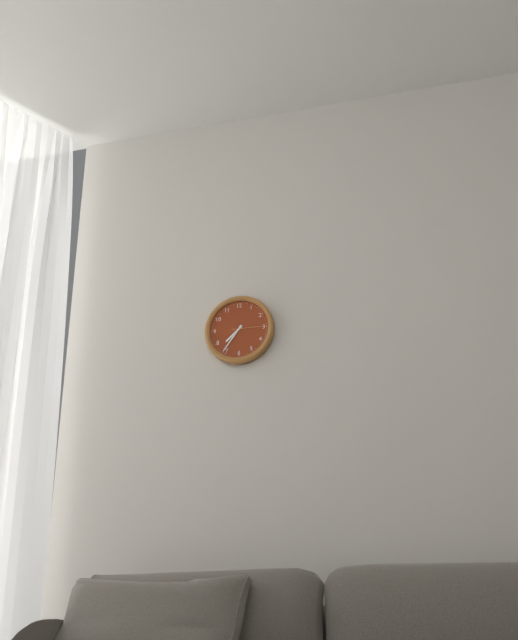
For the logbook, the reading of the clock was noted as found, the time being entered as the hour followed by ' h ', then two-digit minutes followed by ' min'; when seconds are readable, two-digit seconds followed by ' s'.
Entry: 7 h 36 min
